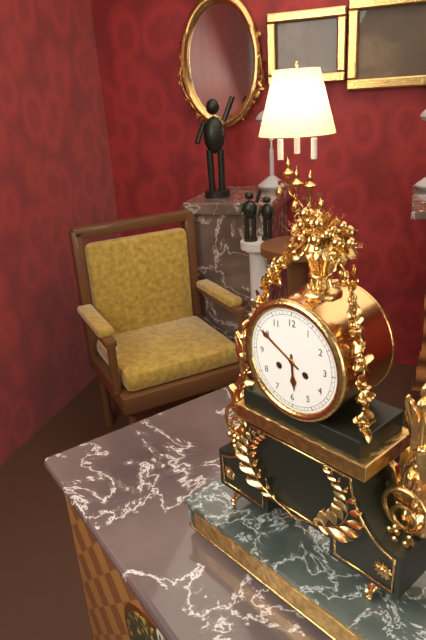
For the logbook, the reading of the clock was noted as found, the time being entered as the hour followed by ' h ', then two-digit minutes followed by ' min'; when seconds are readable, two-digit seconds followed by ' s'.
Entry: 5 h 50 min
